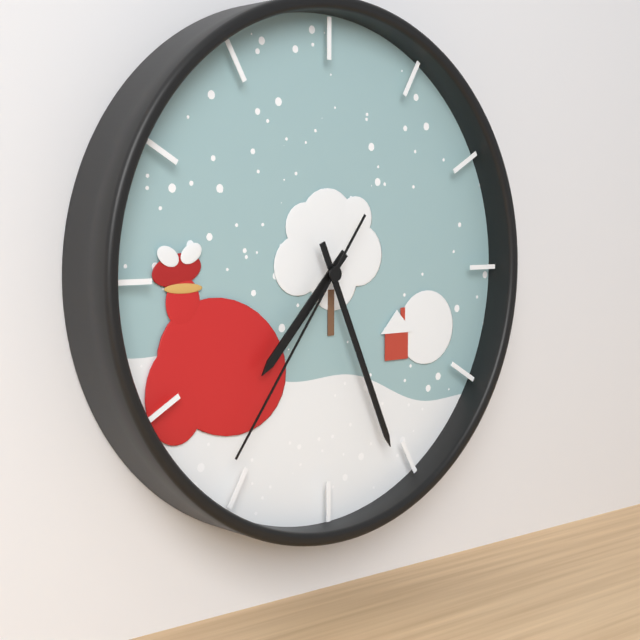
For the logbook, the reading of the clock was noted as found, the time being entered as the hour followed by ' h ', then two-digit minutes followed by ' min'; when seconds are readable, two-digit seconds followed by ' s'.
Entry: 7 h 26 min 36 s
